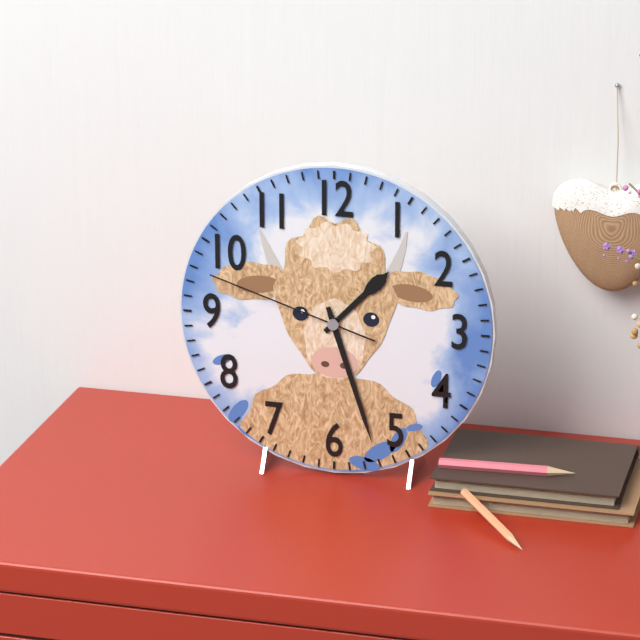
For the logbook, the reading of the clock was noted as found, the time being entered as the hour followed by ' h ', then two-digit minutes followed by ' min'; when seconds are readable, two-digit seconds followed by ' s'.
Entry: 1 h 27 min 48 s
